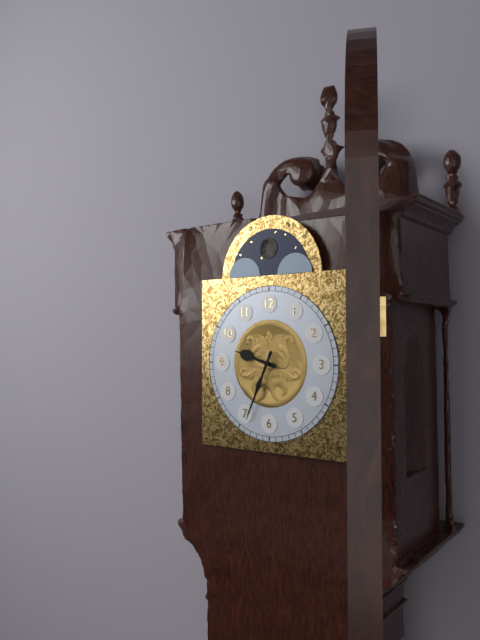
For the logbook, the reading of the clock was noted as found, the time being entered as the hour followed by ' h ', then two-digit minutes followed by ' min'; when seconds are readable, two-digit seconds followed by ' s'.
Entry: 9 h 34 min
